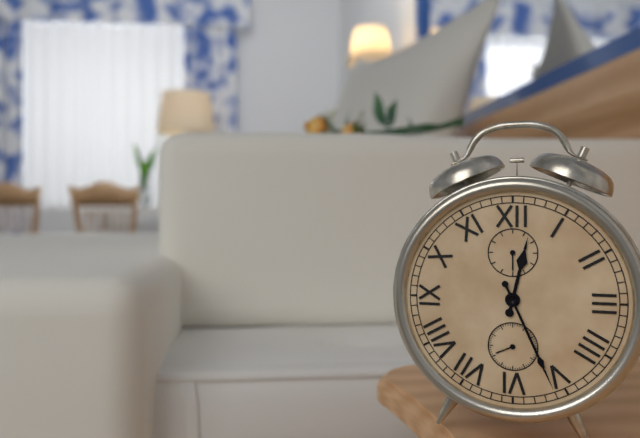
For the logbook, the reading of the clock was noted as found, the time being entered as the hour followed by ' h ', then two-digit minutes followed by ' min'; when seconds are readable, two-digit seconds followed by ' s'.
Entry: 12 h 26 min
